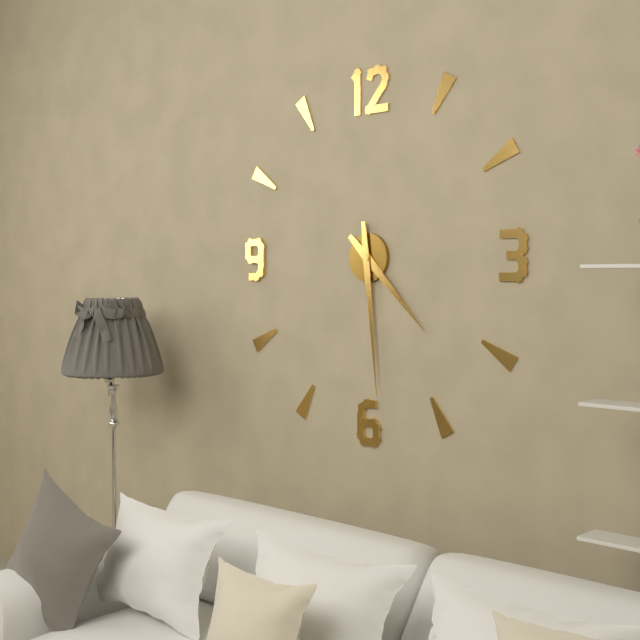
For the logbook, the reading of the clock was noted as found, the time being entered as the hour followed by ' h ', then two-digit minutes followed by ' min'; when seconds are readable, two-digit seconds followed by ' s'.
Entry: 4 h 29 min
